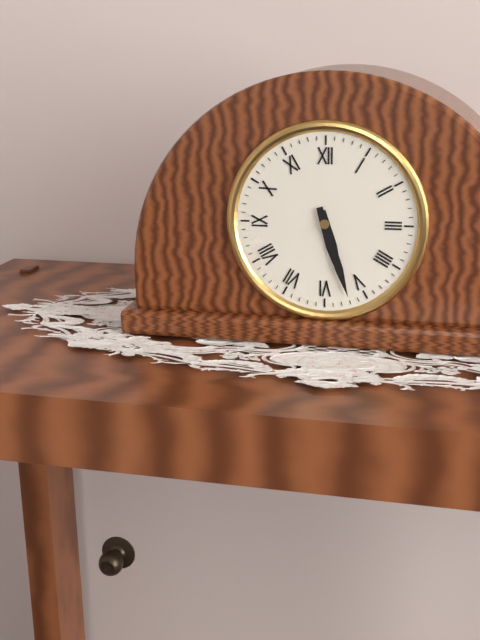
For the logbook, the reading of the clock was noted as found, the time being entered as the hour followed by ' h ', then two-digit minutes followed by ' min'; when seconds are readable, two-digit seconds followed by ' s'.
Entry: 5 h 27 min
